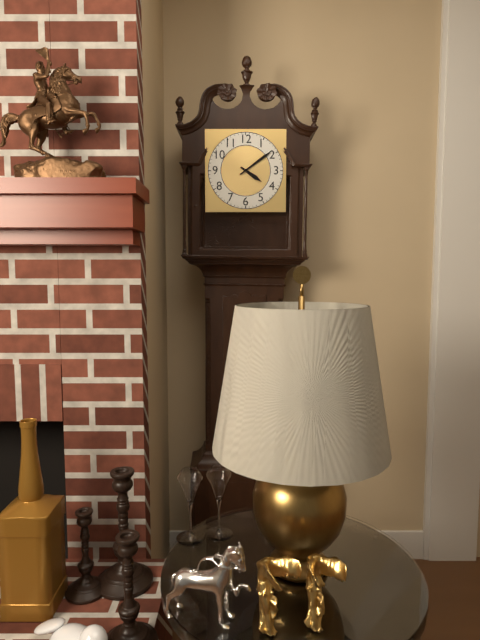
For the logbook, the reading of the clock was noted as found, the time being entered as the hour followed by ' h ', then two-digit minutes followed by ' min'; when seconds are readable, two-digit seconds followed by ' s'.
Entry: 4 h 09 min
